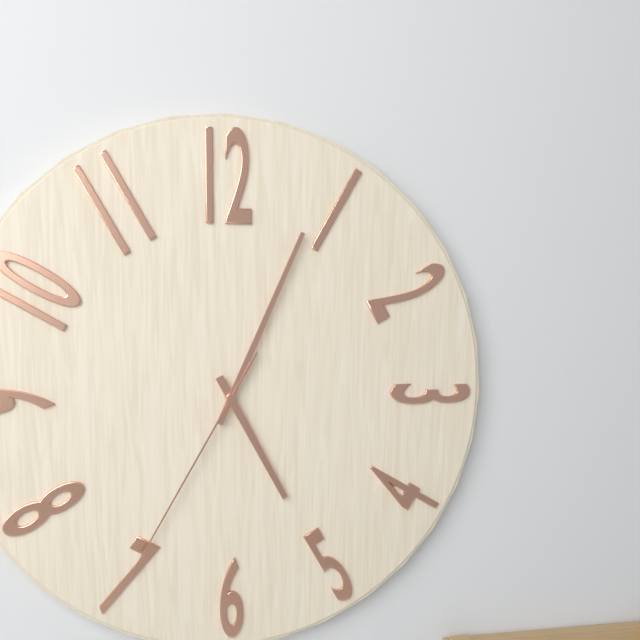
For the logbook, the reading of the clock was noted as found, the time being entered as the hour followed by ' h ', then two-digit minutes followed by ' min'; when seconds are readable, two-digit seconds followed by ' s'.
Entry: 5 h 04 min 35 s
